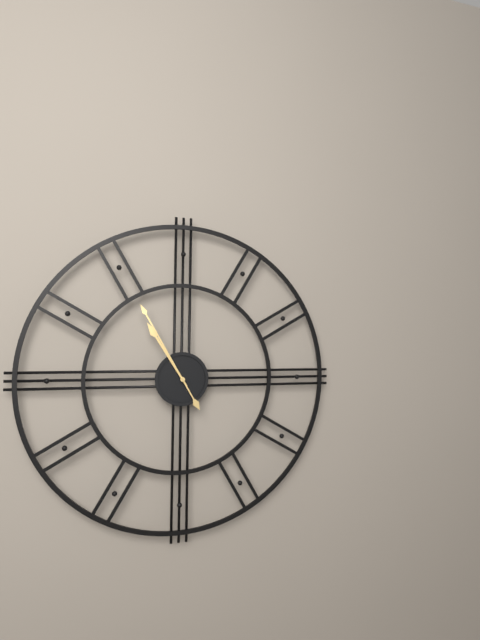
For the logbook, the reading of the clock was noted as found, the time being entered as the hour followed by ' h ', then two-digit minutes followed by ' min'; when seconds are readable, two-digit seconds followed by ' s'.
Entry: 10 h 55 min
